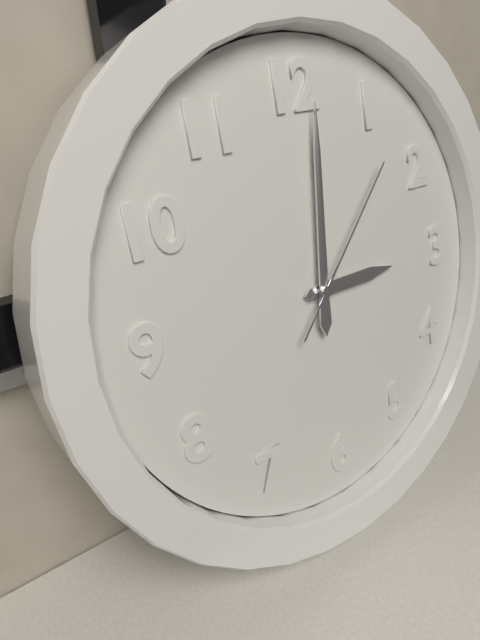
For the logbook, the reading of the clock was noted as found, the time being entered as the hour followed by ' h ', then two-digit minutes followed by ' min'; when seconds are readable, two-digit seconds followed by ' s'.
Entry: 3 h 01 min 07 s
